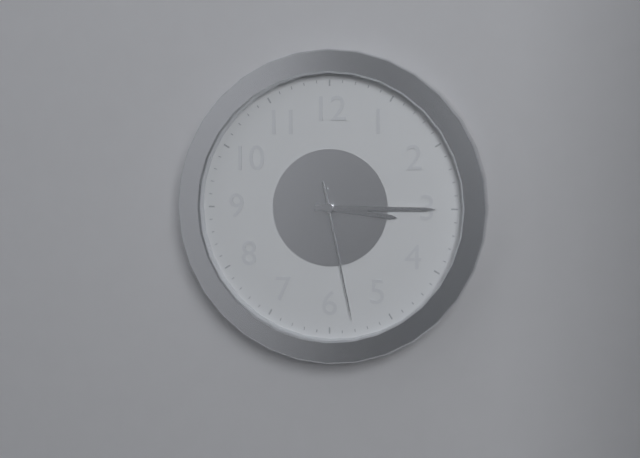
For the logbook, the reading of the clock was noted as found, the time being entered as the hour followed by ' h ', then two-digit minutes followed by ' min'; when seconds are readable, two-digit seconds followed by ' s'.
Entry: 3 h 15 min 28 s
